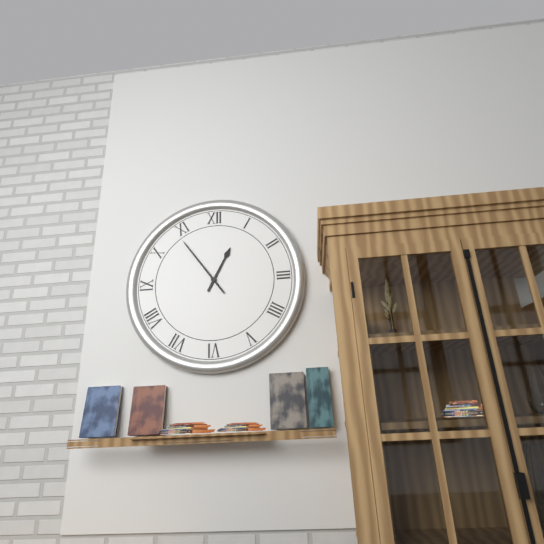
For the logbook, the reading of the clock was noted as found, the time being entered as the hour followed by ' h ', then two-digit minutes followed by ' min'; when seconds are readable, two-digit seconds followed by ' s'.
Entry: 12 h 54 min
